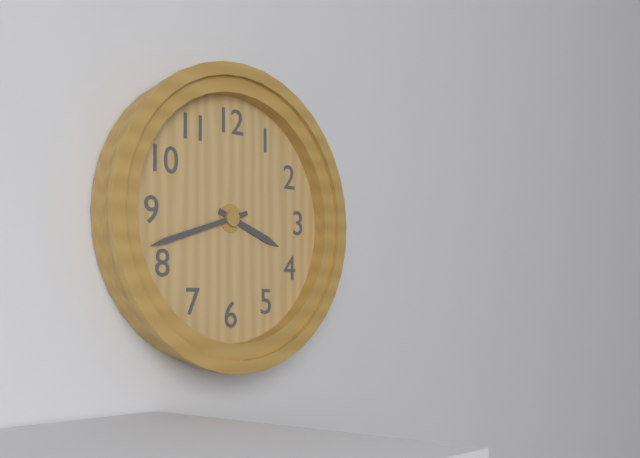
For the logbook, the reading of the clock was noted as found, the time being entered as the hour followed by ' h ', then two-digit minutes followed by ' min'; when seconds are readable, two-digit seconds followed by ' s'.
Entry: 3 h 42 min
